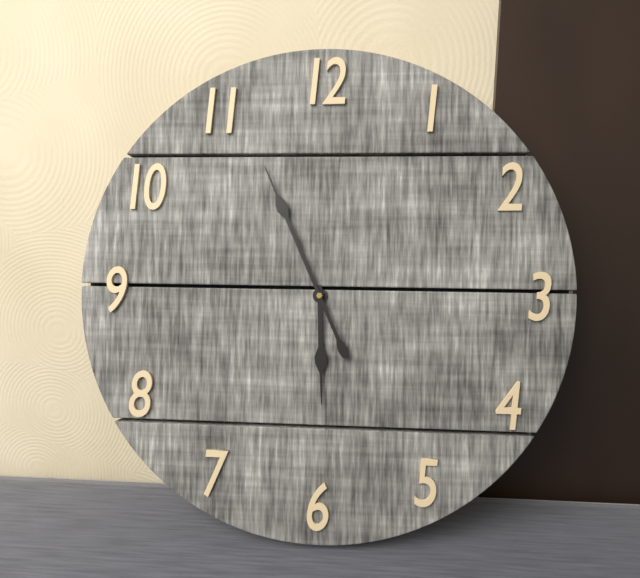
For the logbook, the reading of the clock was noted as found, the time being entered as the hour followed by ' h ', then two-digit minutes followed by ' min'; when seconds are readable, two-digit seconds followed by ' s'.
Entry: 5 h 56 min
